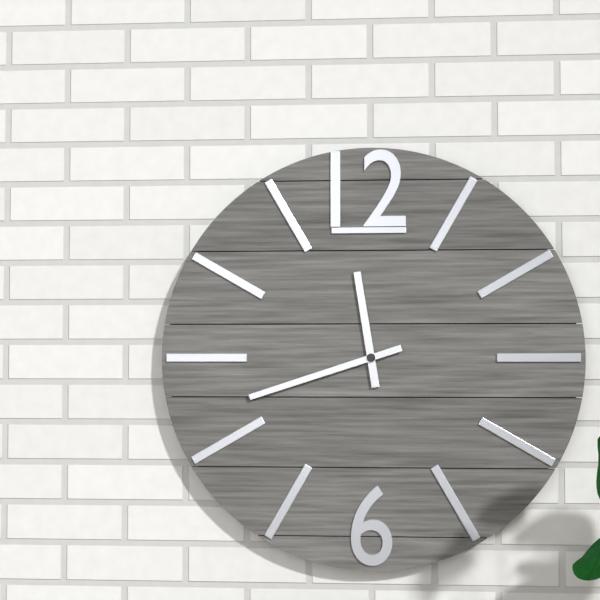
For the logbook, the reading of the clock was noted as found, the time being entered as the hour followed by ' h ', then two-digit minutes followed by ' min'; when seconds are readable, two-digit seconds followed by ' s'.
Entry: 11 h 42 min
